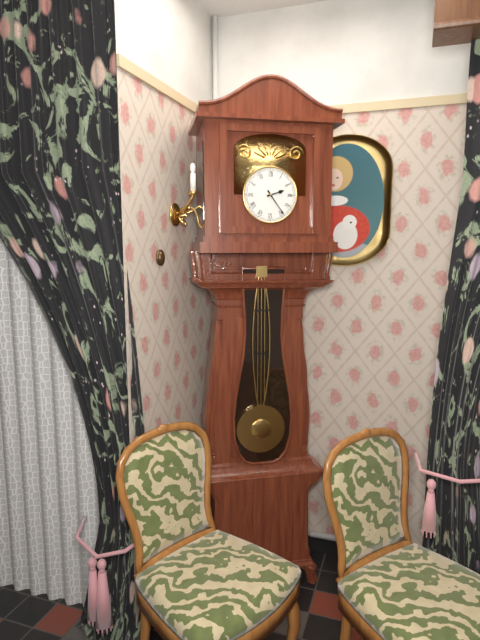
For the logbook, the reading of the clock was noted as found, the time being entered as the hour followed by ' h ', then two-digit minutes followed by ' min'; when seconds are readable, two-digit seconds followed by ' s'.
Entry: 2 h 24 min
